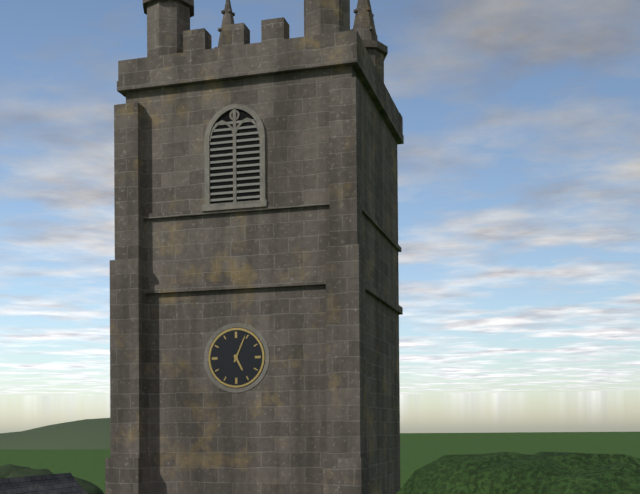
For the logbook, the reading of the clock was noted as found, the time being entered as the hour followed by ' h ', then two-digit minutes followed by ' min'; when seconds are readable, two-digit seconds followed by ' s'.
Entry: 5 h 04 min
